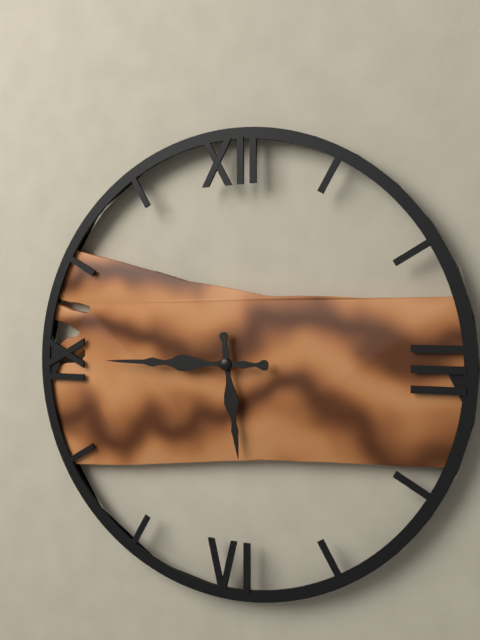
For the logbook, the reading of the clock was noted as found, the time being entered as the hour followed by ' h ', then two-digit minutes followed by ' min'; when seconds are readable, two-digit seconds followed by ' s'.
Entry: 5 h 45 min
